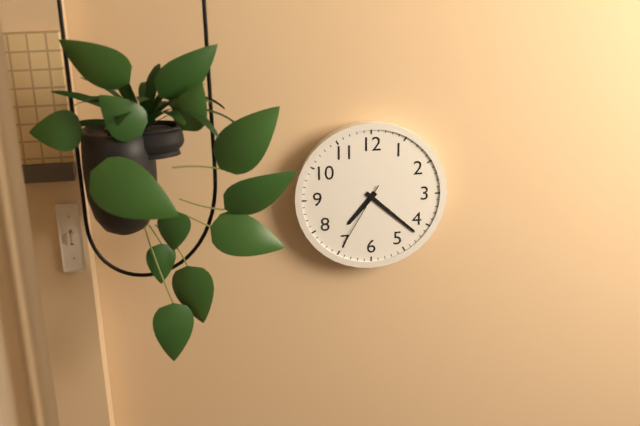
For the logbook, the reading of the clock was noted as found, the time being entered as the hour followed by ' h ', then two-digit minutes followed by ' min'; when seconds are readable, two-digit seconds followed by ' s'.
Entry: 7 h 22 min 35 s
